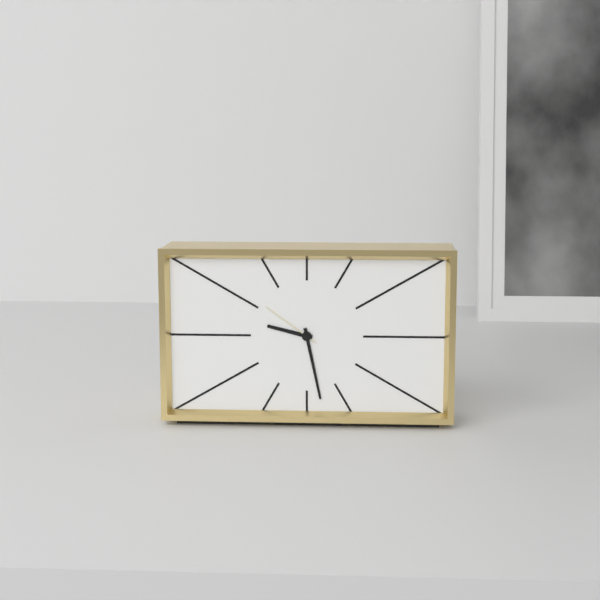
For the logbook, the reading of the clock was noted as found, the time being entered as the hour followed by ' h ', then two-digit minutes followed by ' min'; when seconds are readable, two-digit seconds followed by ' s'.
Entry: 9 h 28 min 51 s
